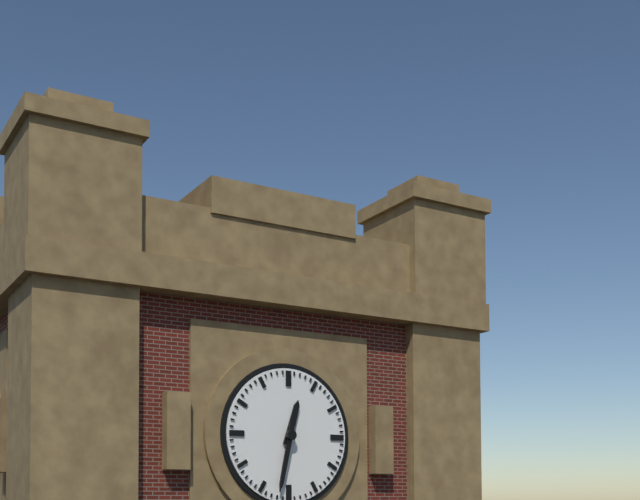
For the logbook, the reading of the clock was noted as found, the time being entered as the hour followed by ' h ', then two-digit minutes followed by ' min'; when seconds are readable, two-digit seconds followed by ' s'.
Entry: 12 h 32 min
